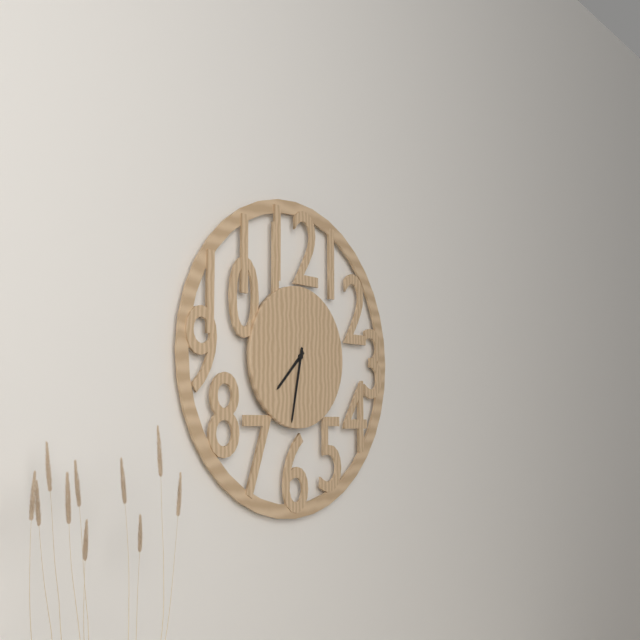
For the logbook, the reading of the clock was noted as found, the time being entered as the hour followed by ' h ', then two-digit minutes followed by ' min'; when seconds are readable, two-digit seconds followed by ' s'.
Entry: 7 h 32 min
